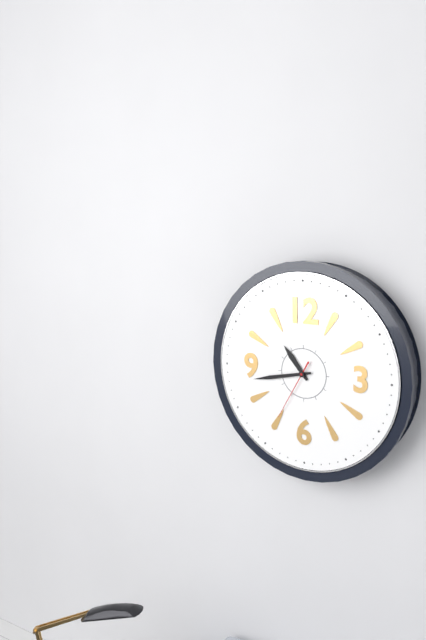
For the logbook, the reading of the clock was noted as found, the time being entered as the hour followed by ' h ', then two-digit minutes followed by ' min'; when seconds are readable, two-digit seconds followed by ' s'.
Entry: 10 h 43 min 35 s
